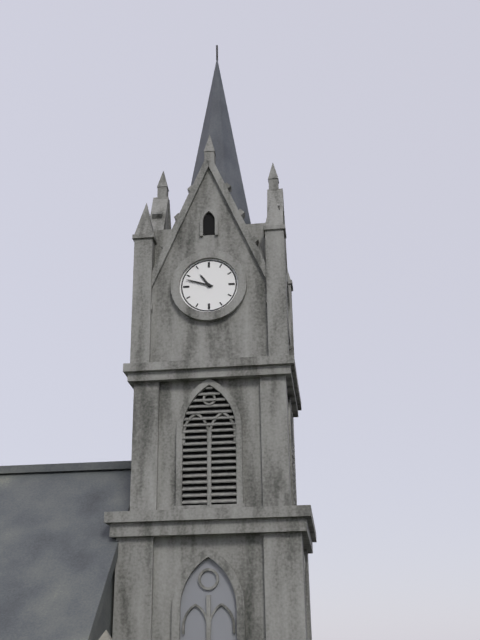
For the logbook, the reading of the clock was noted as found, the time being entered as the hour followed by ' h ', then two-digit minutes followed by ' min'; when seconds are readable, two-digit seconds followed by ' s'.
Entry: 10 h 48 min
